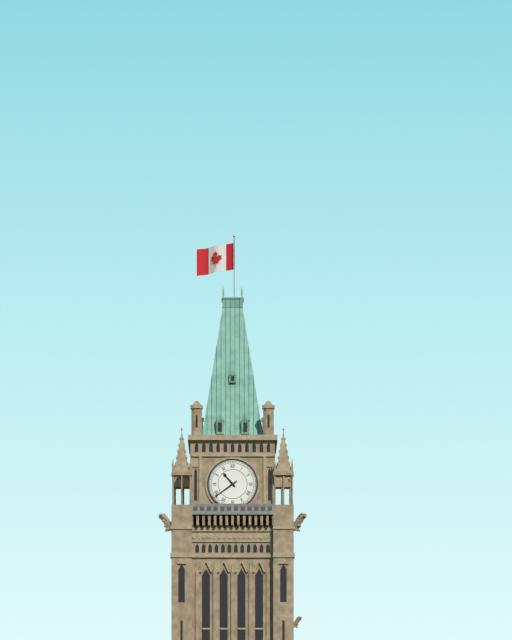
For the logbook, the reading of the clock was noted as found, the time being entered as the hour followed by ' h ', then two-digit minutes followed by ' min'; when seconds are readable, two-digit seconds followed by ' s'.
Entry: 10 h 39 min
